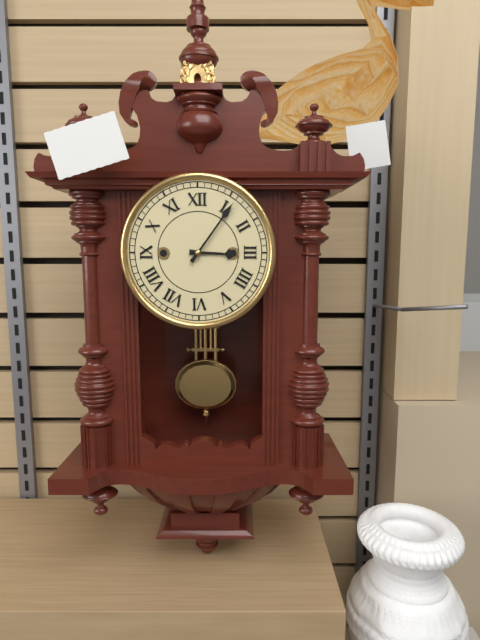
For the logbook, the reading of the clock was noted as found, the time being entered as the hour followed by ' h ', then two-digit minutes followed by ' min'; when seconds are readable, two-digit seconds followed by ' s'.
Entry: 3 h 06 min
